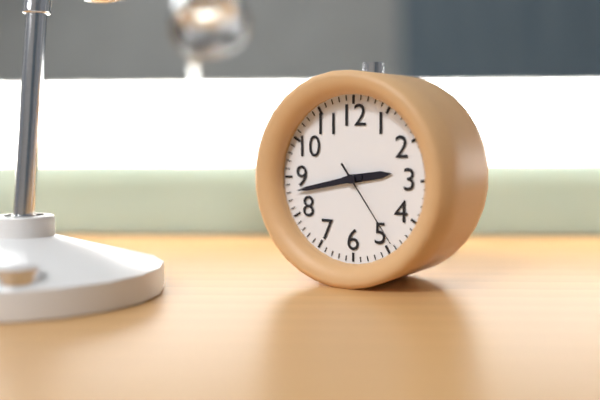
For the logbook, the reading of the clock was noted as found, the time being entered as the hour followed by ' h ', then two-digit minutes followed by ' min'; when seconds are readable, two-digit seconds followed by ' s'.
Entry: 2 h 43 min 24 s
